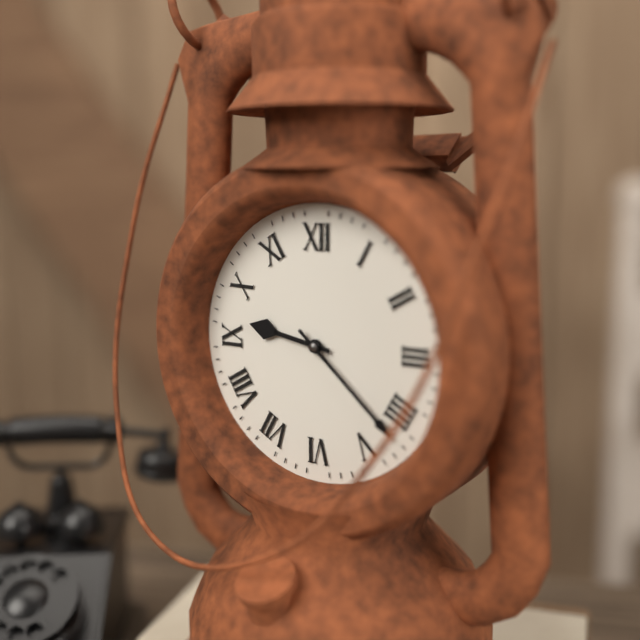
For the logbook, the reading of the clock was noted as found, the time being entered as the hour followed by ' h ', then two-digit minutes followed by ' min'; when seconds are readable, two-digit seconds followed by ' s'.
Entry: 9 h 22 min
